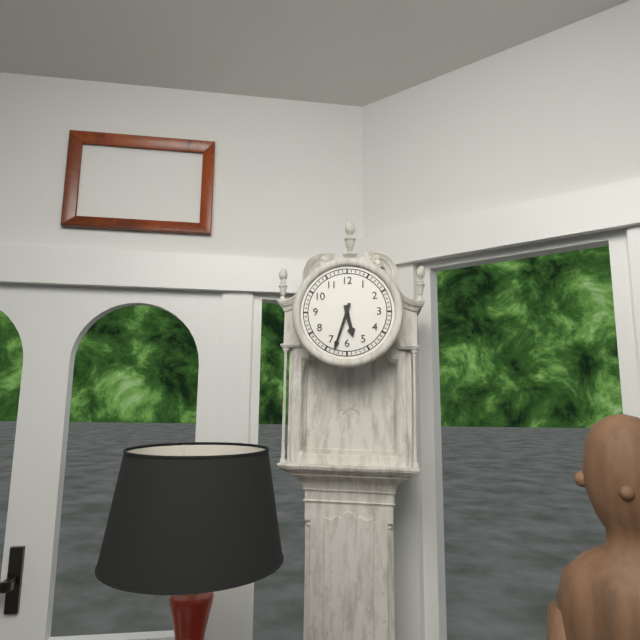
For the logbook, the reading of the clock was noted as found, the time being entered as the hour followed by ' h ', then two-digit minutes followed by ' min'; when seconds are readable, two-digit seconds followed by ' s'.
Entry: 5 h 33 min
